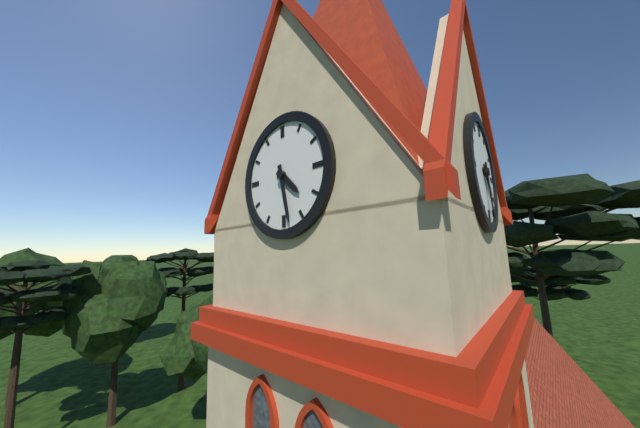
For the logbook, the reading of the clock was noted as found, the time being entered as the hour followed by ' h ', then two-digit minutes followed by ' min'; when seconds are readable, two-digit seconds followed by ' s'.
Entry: 4 h 28 min
